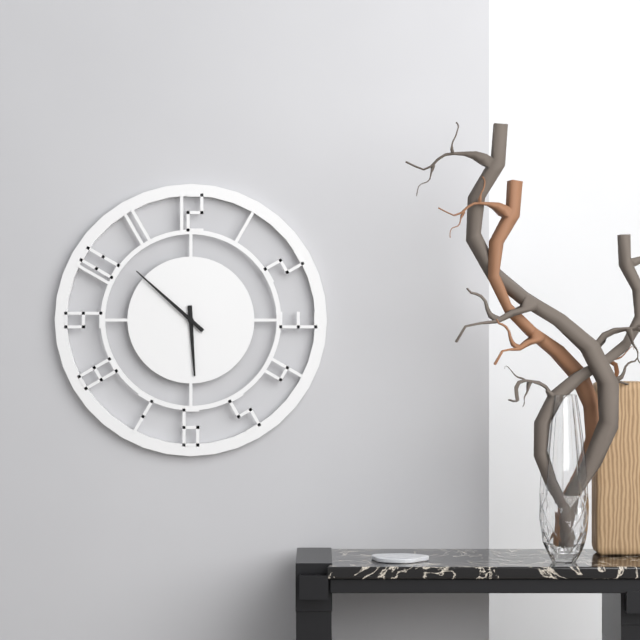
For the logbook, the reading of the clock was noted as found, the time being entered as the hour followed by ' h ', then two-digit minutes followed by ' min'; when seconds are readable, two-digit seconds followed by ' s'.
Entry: 5 h 52 min
